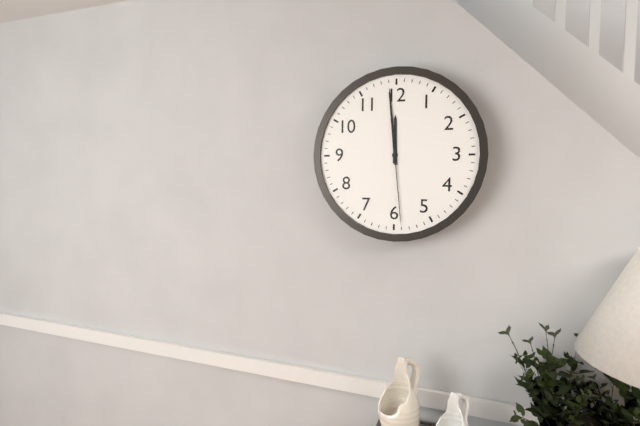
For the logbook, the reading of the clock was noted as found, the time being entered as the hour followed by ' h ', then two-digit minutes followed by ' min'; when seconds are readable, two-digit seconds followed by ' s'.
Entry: 11 h 59 min 29 s
